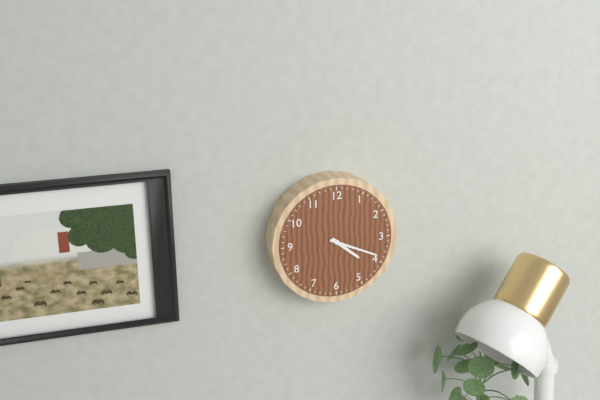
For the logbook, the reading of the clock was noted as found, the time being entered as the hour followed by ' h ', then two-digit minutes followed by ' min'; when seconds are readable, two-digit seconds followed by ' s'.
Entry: 4 h 19 min
